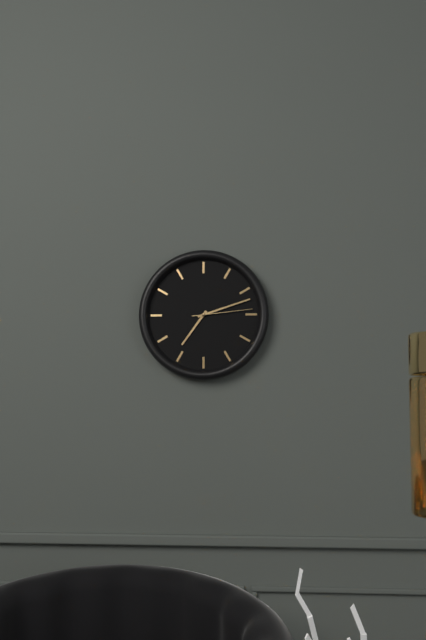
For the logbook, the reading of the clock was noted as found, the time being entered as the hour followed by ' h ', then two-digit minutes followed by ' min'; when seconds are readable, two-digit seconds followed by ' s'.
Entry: 7 h 12 min 14 s
